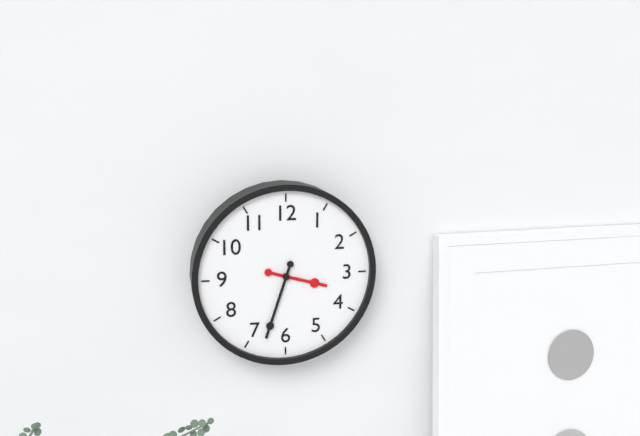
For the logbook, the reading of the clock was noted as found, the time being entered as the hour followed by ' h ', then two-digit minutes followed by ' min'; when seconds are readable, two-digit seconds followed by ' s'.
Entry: 3 h 33 min
